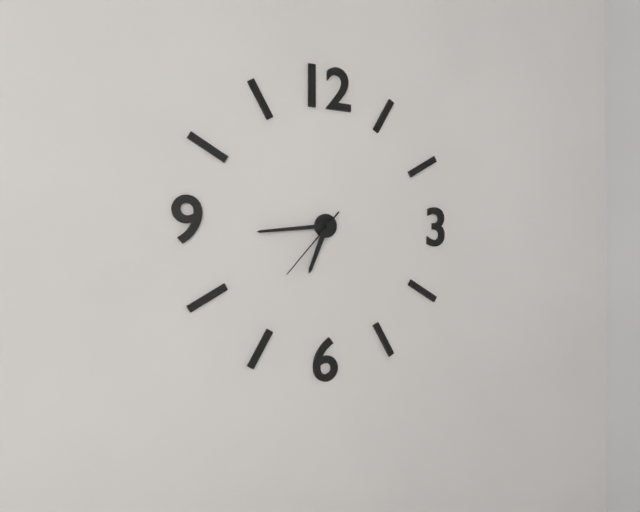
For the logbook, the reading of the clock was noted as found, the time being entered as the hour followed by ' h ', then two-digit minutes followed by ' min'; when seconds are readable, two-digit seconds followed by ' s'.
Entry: 6 h 44 min 37 s
